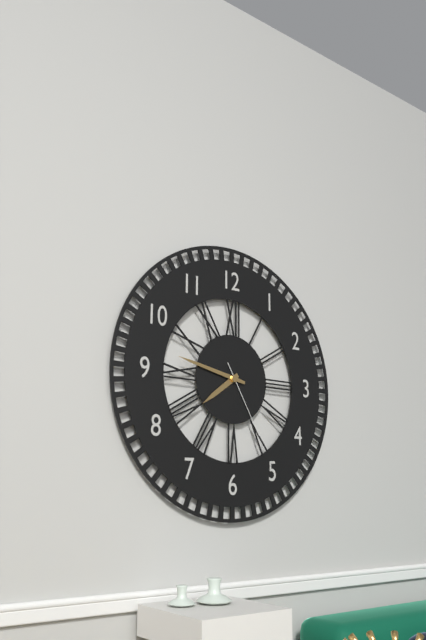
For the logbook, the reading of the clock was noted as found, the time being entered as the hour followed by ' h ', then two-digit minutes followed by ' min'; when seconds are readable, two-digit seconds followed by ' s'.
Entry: 7 h 47 min 25 s
